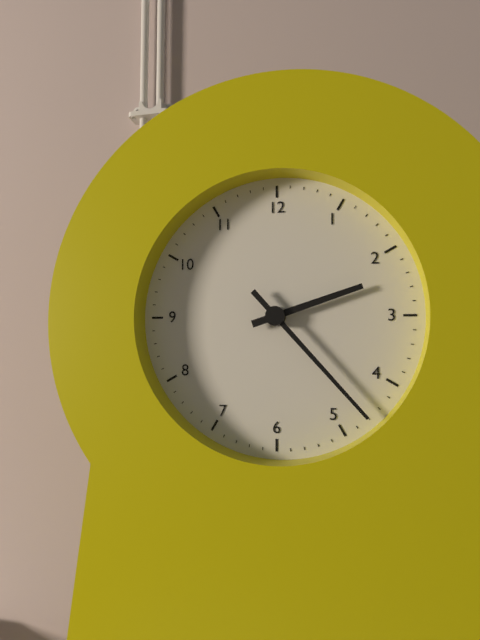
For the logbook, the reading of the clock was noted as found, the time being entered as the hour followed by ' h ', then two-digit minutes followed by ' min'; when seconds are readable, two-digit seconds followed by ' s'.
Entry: 2 h 23 min
